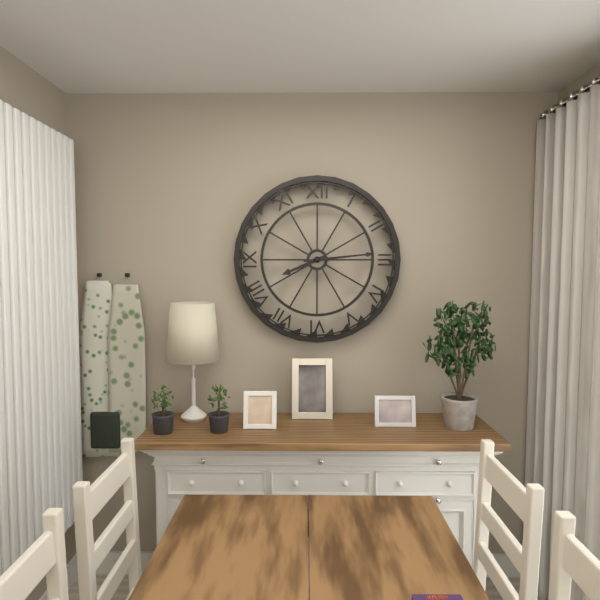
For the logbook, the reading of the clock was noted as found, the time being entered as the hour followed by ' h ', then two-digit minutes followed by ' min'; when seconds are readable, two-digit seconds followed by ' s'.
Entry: 8 h 14 min
